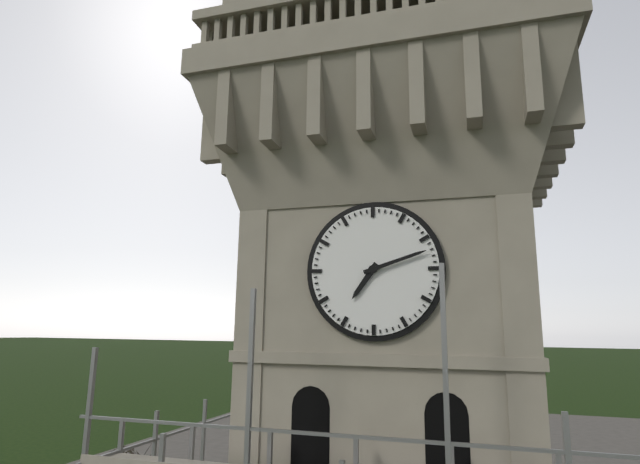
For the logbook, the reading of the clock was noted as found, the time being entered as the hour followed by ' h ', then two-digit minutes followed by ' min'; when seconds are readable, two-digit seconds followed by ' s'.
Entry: 7 h 12 min
